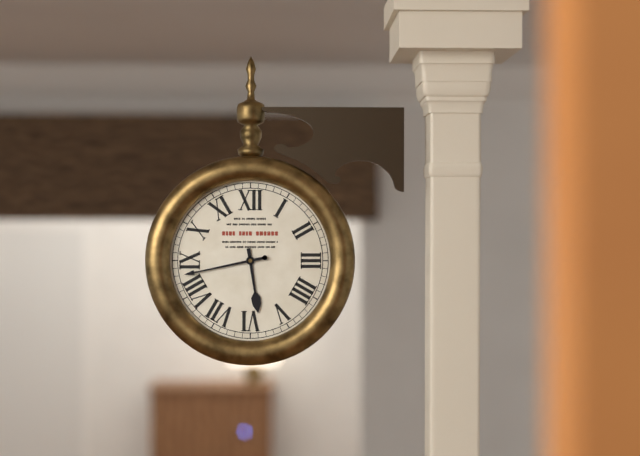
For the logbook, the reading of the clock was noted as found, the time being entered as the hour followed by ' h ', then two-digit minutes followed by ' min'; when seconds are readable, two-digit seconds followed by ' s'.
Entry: 5 h 43 min
